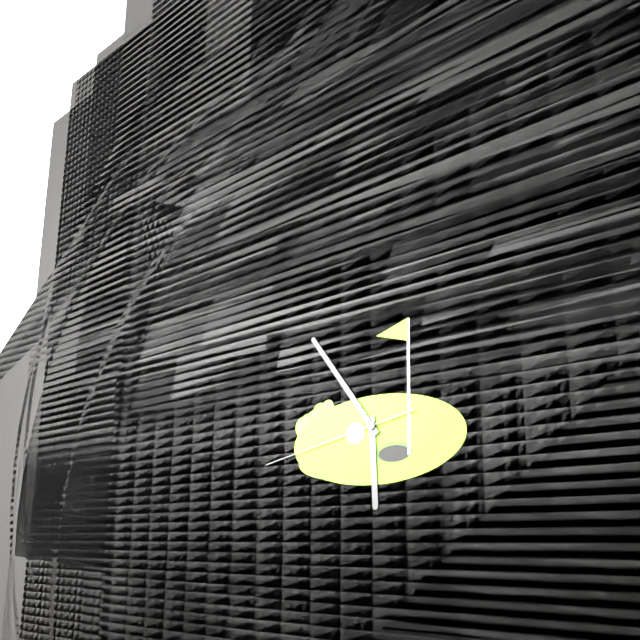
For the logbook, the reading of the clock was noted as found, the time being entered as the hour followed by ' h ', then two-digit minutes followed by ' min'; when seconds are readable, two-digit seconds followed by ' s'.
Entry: 5 h 54 min 43 s
